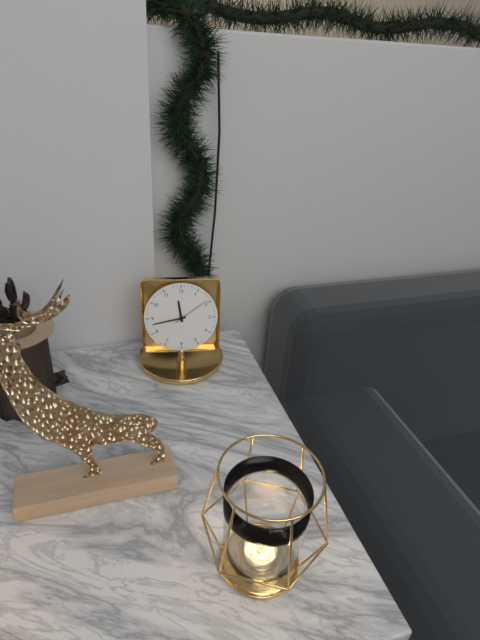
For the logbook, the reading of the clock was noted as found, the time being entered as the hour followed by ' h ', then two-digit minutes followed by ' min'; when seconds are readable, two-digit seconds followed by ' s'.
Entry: 11 h 43 min
